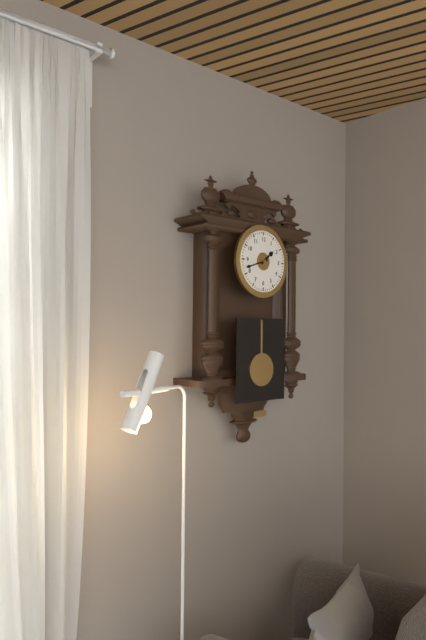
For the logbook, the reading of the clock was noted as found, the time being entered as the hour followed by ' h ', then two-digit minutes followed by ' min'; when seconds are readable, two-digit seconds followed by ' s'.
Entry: 1 h 42 min
